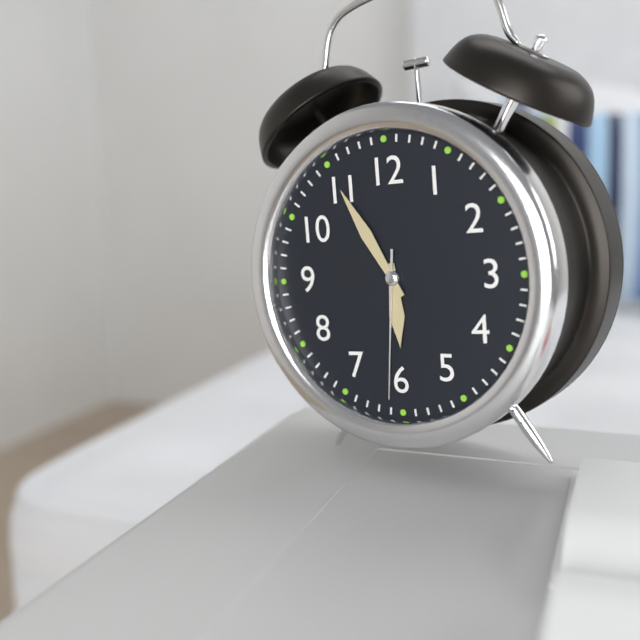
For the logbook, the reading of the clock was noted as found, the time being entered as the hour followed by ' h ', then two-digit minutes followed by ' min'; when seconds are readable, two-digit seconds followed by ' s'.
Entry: 5 h 55 min 31 s
